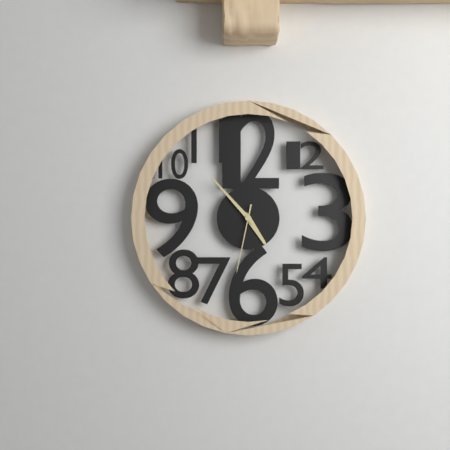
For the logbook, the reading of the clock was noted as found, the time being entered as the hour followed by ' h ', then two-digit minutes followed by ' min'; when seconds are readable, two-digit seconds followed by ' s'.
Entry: 4 h 53 min 32 s
